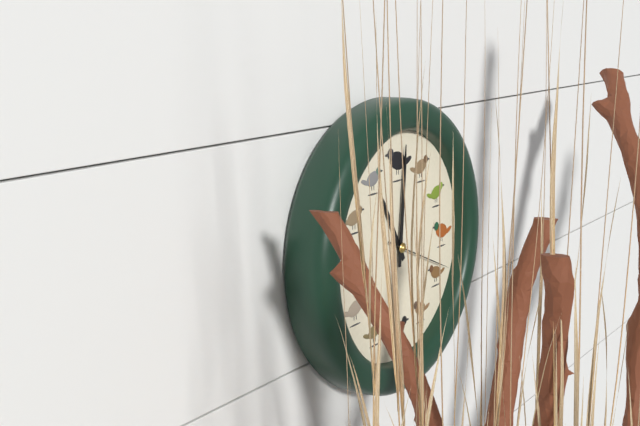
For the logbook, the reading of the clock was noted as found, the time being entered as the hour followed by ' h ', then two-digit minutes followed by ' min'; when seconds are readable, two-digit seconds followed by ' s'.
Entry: 11 h 01 min 19 s
